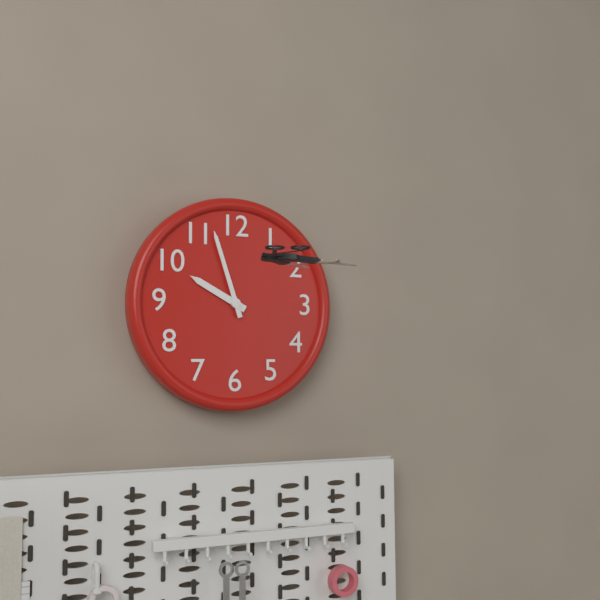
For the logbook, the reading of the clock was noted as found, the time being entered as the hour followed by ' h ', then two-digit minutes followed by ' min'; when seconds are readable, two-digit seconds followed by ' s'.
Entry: 9 h 57 min
